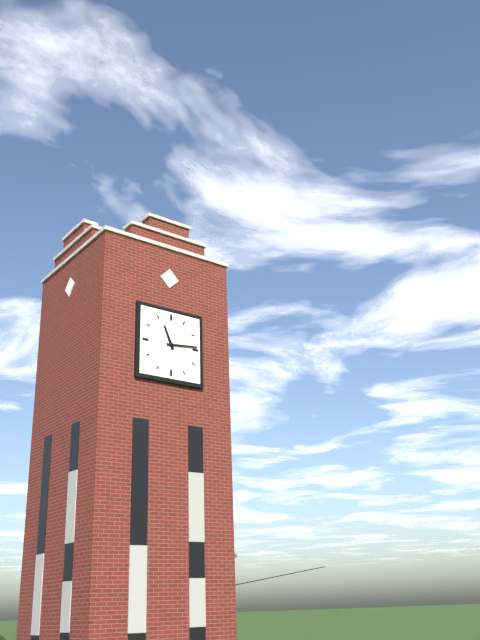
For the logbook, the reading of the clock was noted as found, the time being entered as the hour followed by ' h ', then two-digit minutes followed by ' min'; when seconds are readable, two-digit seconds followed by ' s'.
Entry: 11 h 14 min
